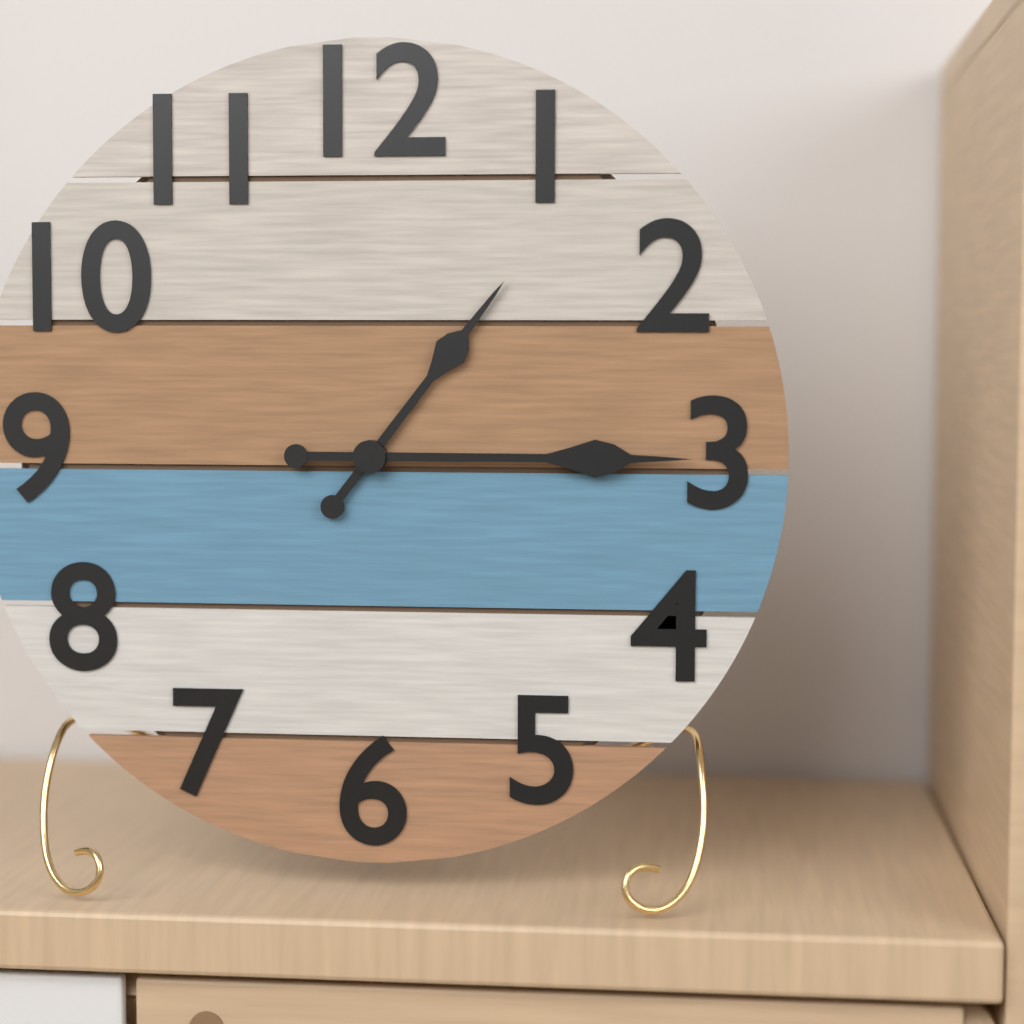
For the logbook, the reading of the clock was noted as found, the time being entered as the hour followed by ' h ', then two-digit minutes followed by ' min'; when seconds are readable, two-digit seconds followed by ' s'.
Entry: 1 h 15 min
